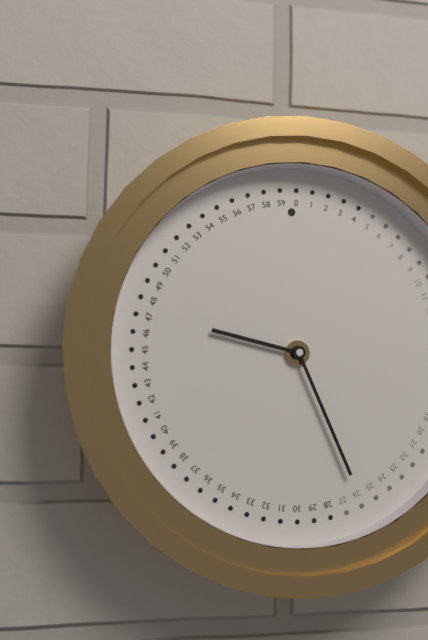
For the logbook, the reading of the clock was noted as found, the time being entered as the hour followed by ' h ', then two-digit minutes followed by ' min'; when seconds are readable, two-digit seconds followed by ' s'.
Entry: 9 h 26 min
